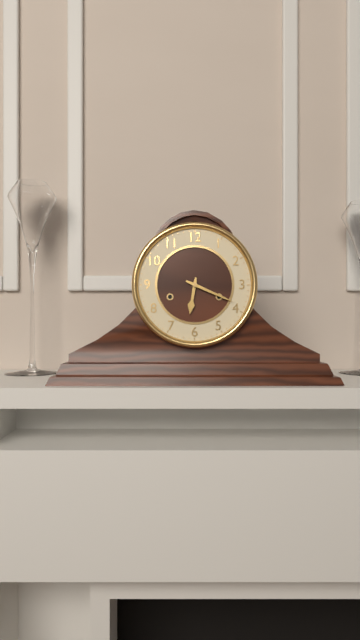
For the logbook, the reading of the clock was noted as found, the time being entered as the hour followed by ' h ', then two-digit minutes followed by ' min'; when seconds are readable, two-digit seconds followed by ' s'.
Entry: 6 h 19 min
